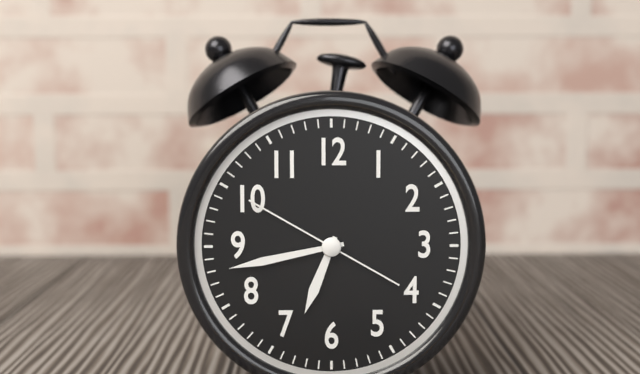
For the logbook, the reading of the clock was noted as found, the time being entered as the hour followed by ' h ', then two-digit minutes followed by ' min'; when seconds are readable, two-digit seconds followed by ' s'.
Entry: 6 h 43 min 50 s
